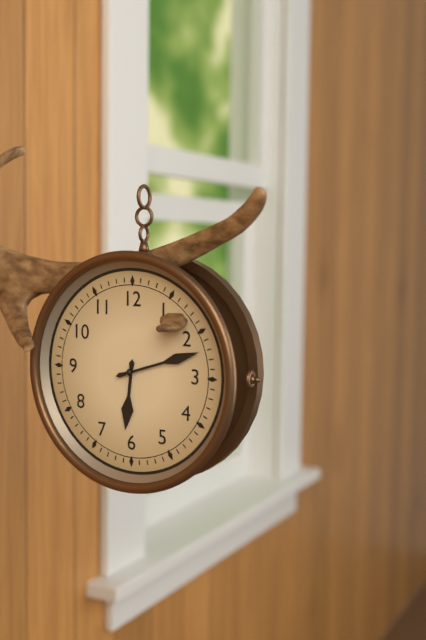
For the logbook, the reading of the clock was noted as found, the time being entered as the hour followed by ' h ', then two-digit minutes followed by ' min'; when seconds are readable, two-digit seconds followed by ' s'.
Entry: 6 h 12 min
